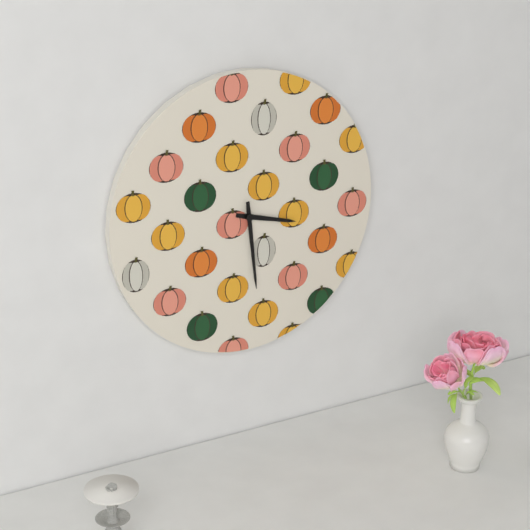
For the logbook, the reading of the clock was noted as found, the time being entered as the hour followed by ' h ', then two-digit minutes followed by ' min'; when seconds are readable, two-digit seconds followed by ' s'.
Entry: 3 h 29 min
